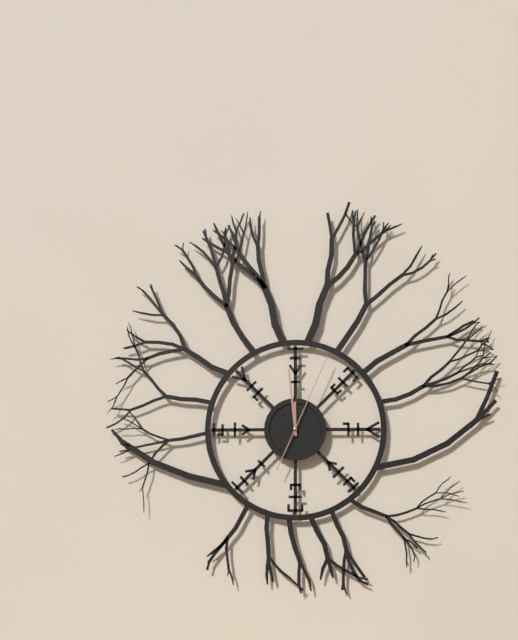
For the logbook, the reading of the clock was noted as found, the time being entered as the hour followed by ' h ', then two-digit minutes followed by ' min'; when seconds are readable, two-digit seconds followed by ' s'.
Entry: 11 h 59 min 04 s
